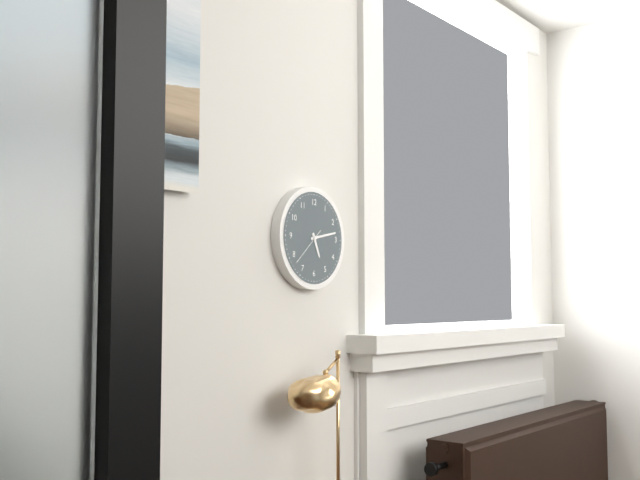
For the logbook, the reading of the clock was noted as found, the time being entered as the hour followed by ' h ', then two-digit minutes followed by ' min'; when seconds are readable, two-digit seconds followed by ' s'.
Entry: 5 h 13 min
